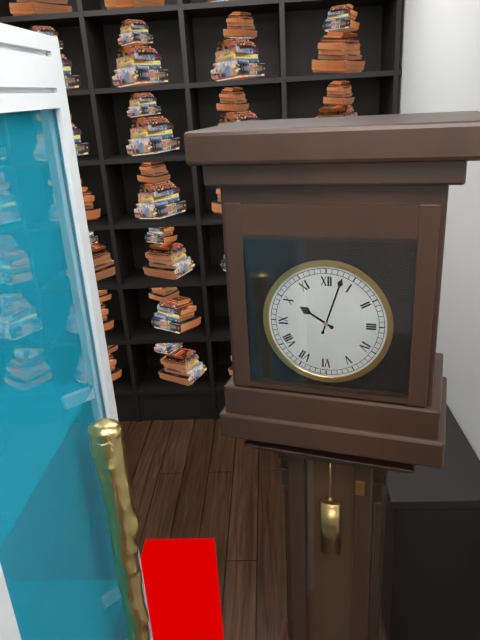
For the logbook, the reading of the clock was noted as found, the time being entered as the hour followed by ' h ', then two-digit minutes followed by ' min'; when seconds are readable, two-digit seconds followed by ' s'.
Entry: 10 h 03 min
